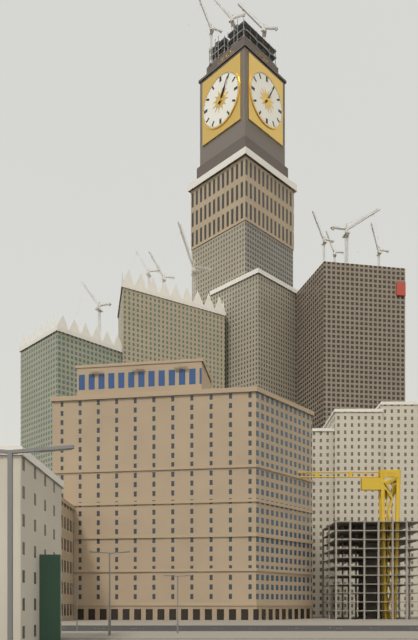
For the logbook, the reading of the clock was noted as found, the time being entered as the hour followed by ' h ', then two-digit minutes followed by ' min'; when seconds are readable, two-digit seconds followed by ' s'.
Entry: 1 h 05 min
